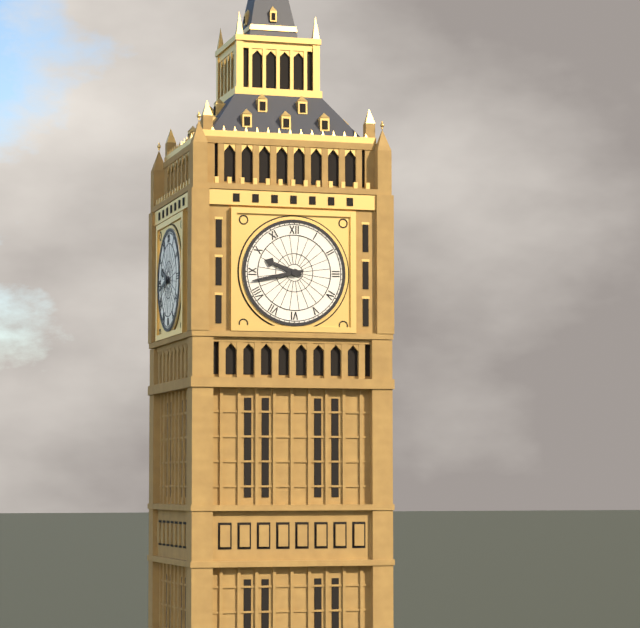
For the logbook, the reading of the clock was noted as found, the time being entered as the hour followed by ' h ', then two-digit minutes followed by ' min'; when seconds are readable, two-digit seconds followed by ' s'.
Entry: 9 h 43 min
